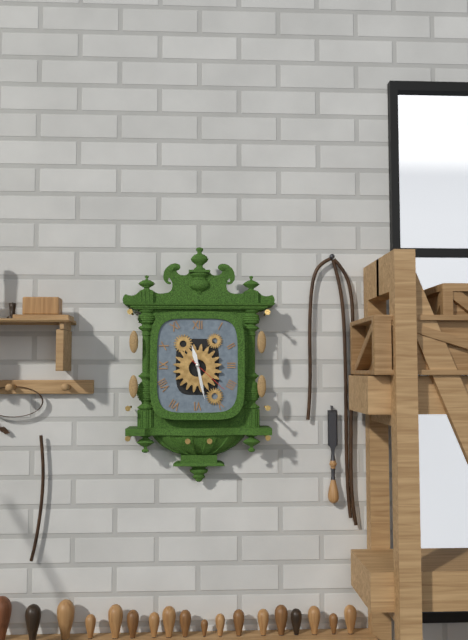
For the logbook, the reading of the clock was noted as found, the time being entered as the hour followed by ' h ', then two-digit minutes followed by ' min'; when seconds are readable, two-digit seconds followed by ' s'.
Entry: 11 h 28 min
